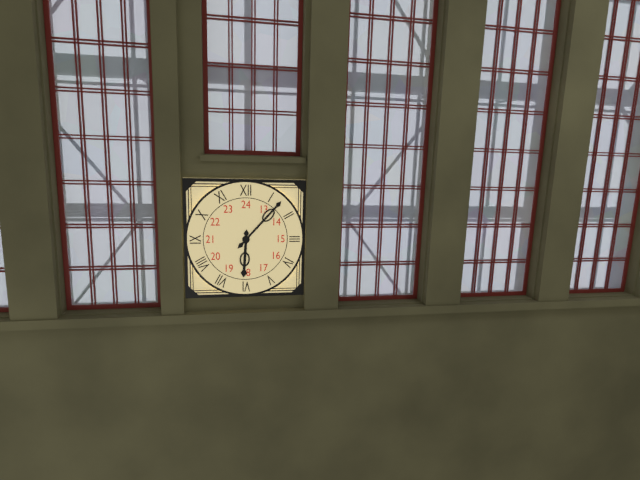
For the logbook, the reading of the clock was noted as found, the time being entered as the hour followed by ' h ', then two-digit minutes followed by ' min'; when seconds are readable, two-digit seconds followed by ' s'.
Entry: 6 h 07 min
